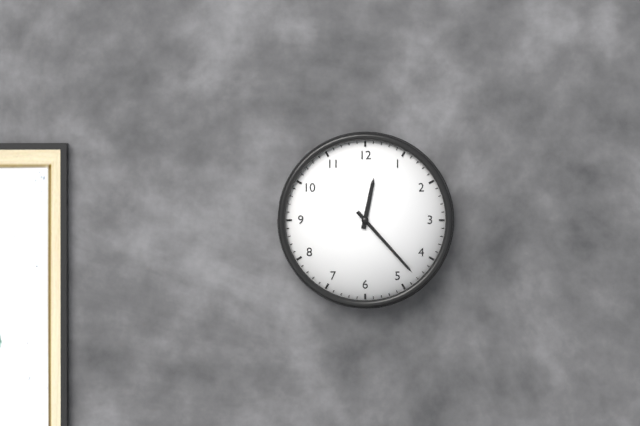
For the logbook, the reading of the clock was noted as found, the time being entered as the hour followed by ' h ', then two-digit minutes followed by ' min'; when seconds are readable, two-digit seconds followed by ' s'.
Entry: 12 h 23 min
